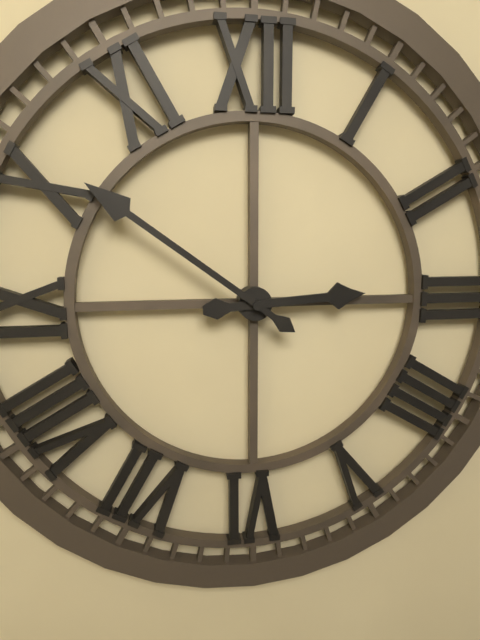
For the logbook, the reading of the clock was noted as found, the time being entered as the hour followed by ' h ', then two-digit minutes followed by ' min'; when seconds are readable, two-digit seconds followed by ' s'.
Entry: 2 h 51 min
